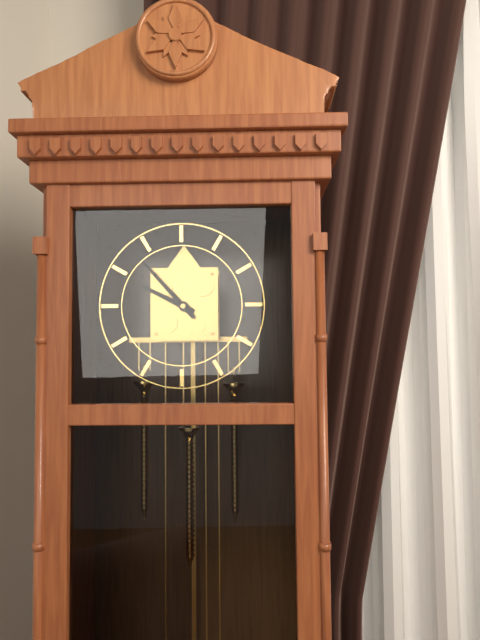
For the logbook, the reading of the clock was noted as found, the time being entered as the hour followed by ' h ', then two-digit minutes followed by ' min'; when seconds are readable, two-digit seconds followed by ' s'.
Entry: 9 h 53 min
